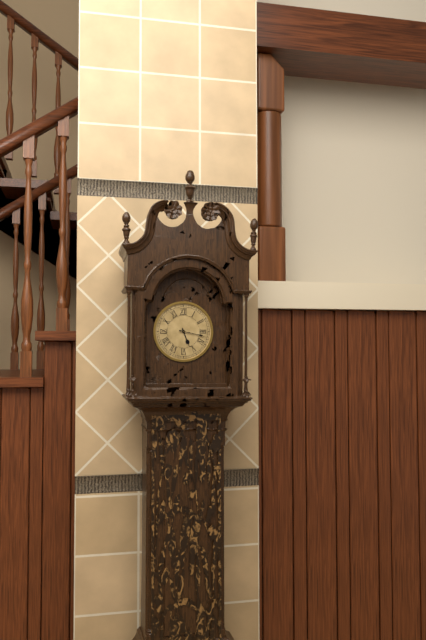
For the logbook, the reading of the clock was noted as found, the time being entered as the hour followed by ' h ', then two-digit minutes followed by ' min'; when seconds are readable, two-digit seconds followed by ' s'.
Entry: 5 h 17 min
